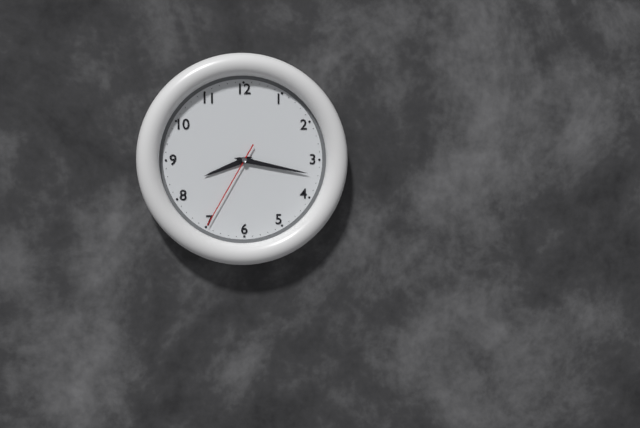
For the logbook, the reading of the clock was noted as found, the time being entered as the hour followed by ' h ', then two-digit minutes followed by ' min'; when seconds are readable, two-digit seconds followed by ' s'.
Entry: 8 h 17 min 35 s
